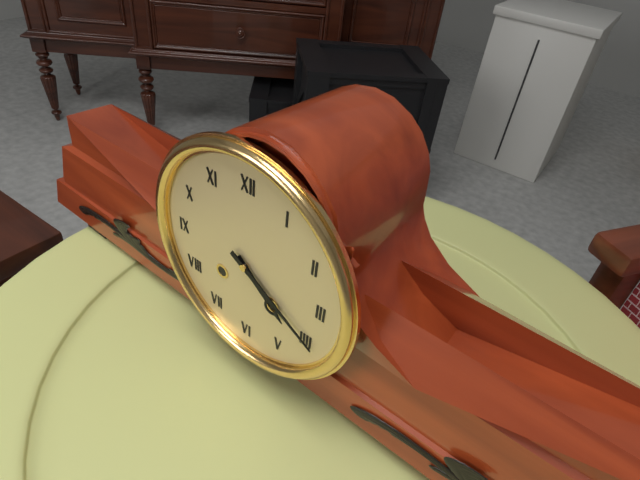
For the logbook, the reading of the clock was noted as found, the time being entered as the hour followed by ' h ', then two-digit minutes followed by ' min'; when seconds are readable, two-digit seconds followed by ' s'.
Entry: 4 h 20 min
